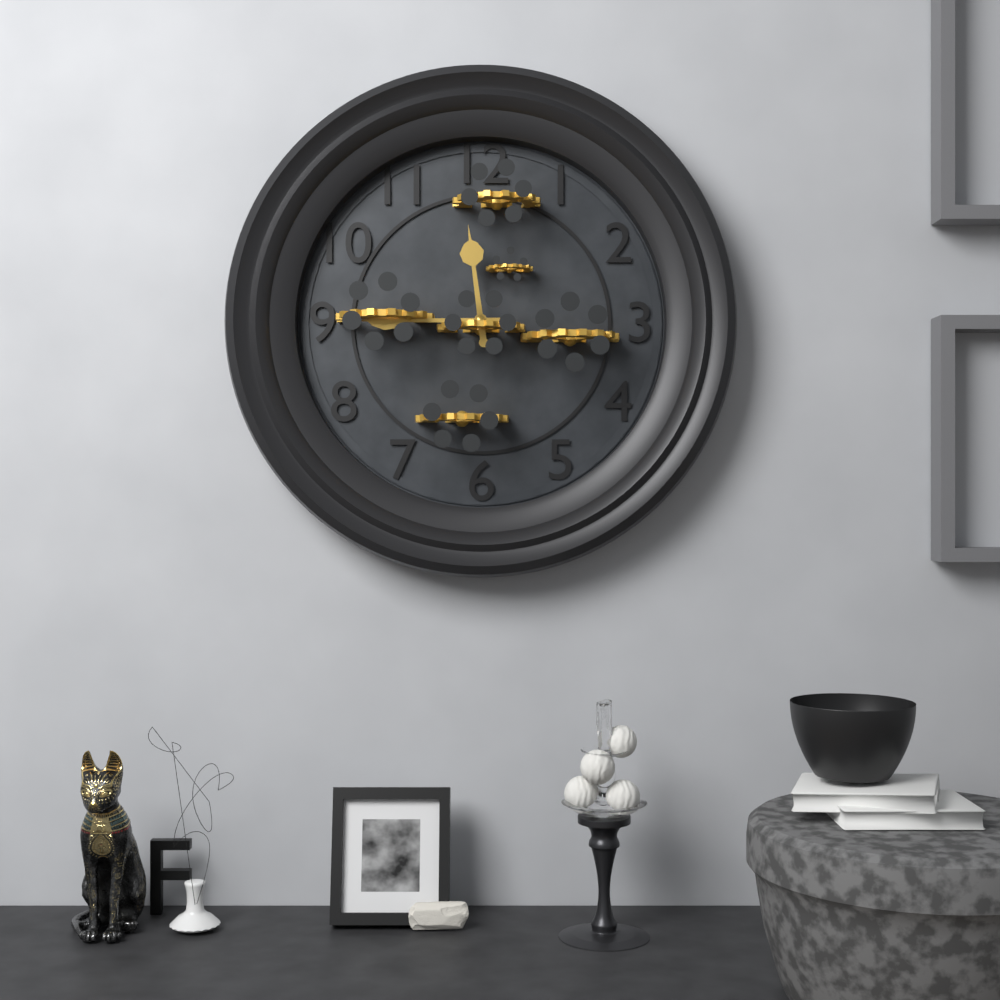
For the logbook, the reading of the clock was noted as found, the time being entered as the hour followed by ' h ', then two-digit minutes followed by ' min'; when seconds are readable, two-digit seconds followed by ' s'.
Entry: 11 h 45 min
